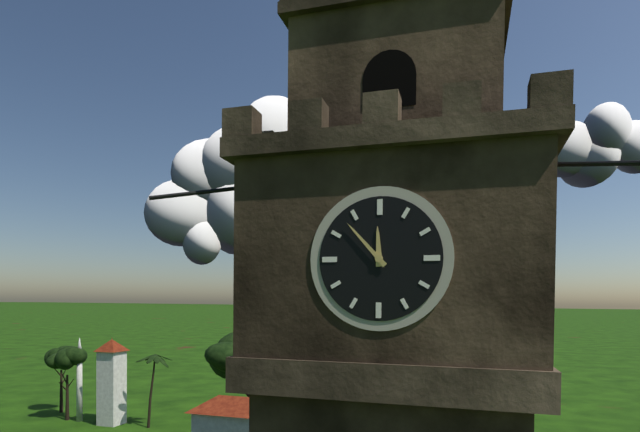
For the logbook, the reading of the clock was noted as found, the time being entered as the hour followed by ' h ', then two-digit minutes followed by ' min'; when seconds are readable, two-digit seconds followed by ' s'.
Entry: 11 h 53 min
